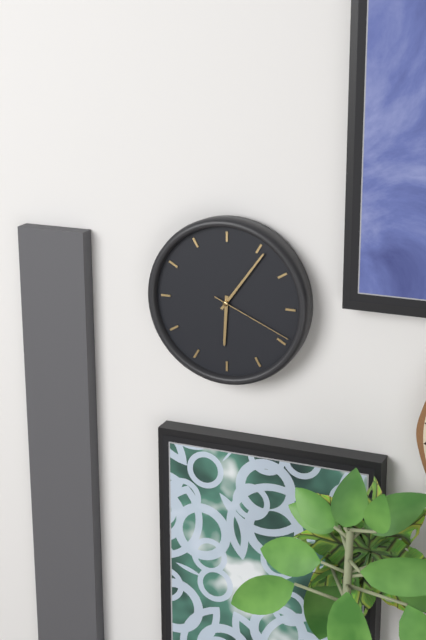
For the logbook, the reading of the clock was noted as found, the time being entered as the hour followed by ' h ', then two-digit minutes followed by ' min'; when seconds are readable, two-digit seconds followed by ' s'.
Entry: 6 h 06 min 19 s
